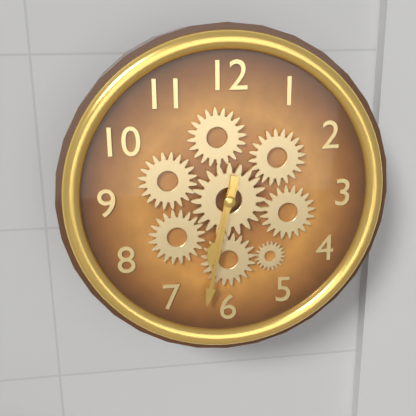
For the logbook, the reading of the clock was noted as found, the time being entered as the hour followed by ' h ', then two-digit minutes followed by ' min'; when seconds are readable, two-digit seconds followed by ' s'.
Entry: 6 h 32 min
